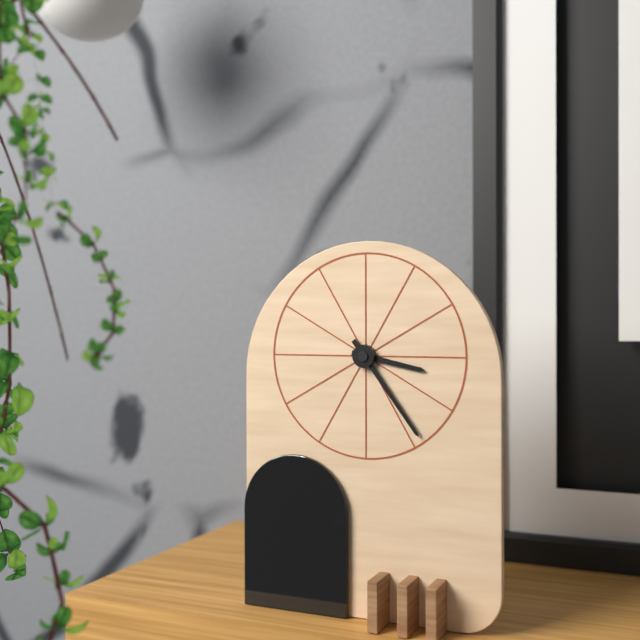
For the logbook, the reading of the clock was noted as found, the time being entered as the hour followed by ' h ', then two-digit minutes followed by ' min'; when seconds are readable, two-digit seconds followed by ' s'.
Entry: 3 h 24 min
